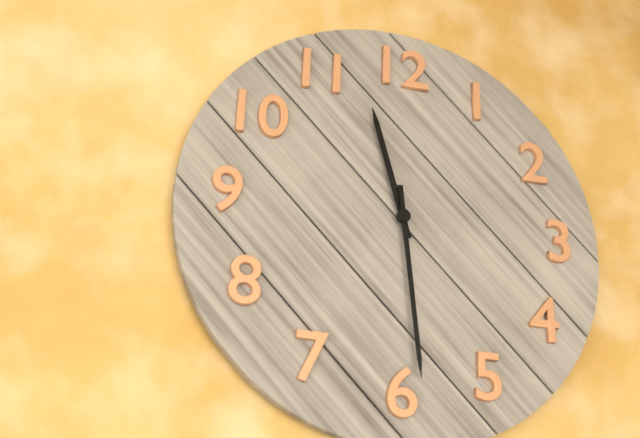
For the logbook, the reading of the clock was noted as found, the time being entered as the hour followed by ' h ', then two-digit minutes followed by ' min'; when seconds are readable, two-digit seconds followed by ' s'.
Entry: 11 h 29 min
